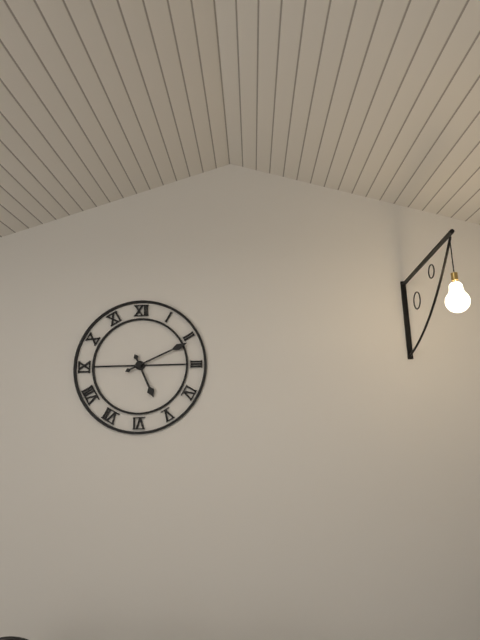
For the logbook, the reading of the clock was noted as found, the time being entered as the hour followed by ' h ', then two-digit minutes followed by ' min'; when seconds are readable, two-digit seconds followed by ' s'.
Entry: 5 h 11 min
